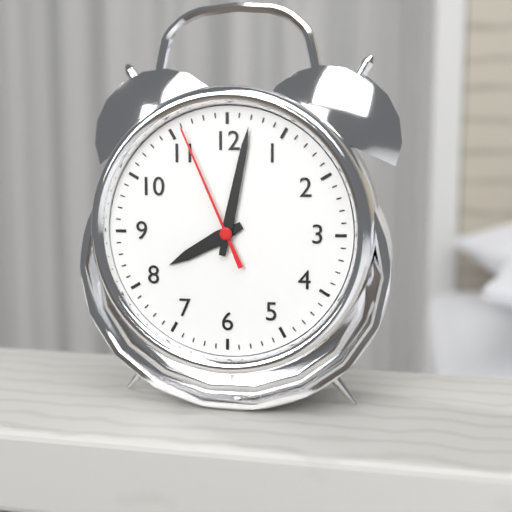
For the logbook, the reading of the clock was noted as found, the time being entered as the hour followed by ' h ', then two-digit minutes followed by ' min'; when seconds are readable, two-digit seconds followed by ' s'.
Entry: 8 h 02 min 56 s
